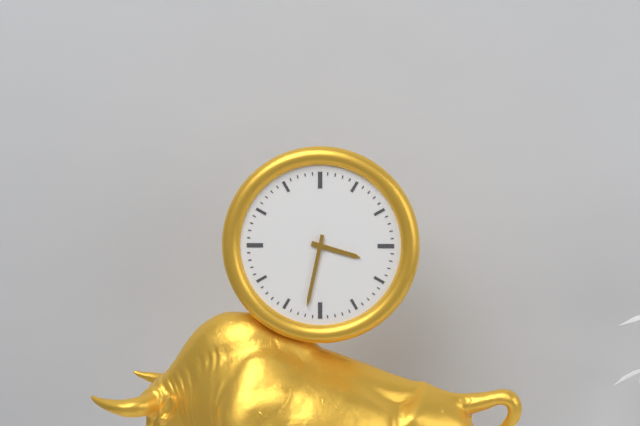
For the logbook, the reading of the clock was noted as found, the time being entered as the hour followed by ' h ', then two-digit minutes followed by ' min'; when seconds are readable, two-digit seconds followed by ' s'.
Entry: 3 h 32 min
